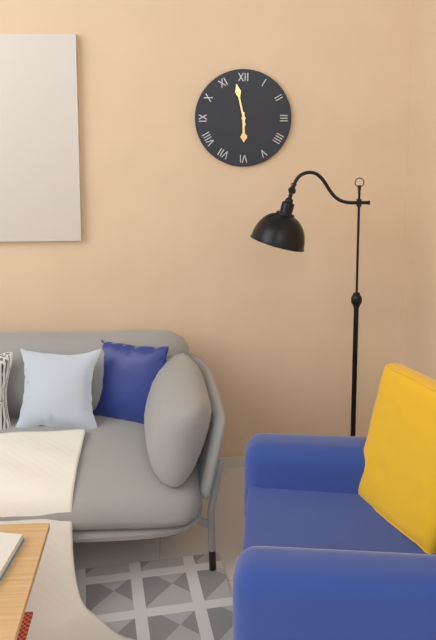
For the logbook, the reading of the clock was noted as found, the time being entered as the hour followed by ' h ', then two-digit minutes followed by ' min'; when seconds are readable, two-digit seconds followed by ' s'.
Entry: 5 h 58 min
